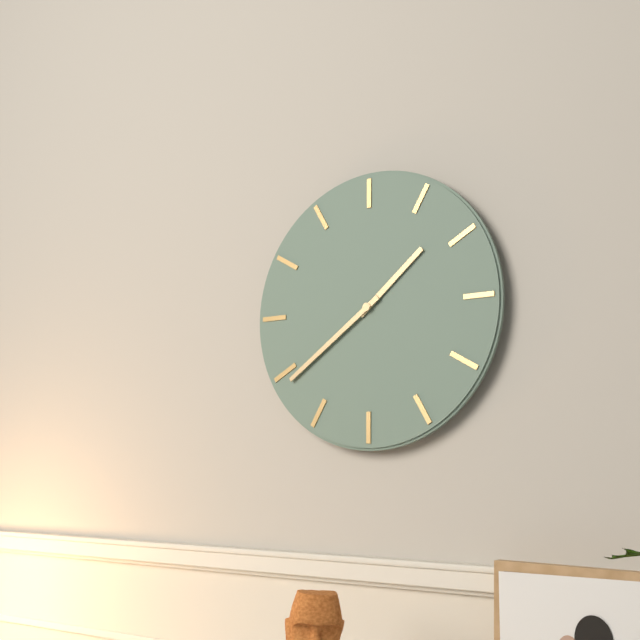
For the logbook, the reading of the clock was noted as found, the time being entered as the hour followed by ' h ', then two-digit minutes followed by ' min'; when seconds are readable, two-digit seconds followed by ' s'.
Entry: 1 h 39 min
